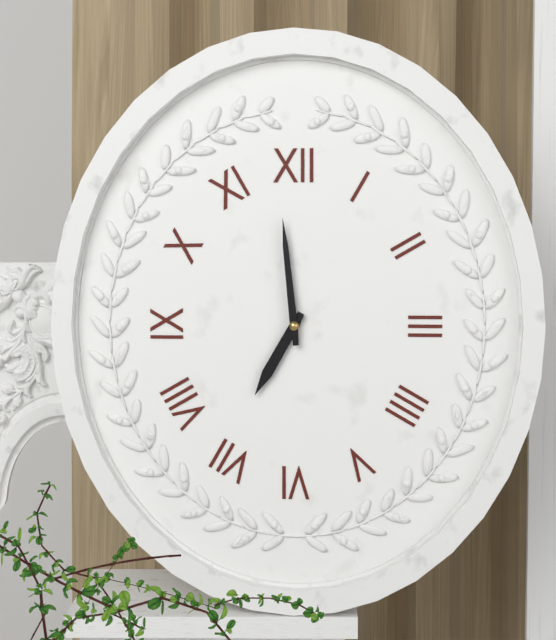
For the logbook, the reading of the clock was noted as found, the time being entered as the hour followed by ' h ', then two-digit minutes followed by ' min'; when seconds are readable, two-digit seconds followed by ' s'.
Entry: 6 h 59 min
